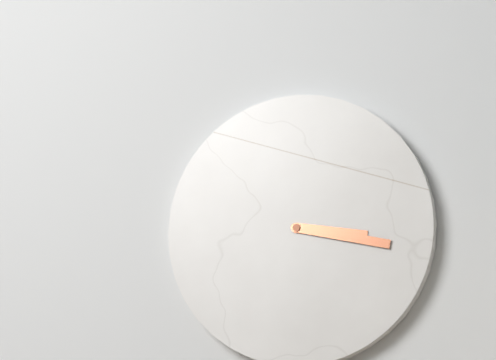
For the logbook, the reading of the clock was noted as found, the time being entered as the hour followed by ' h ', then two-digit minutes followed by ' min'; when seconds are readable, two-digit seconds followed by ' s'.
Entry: 3 h 17 min
